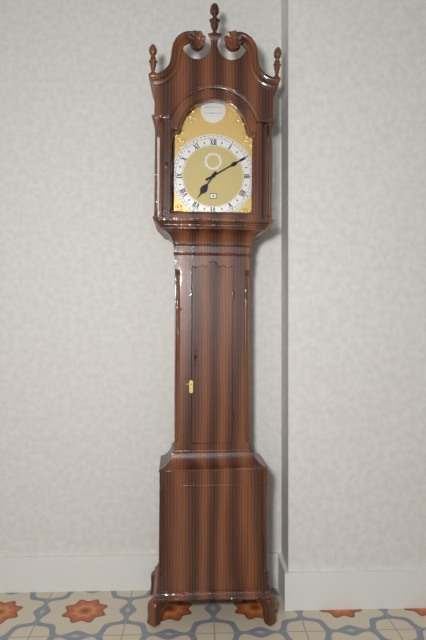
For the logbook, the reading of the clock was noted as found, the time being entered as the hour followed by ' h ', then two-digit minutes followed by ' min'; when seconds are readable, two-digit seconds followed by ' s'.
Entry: 7 h 10 min
